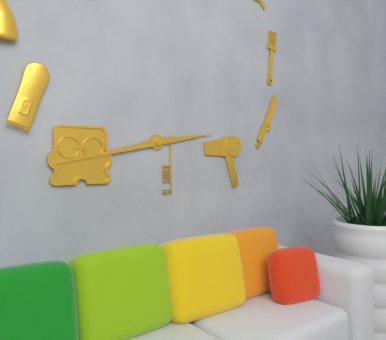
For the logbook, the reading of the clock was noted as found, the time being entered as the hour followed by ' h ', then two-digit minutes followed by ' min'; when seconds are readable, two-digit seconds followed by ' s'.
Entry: 2 h 43 min
